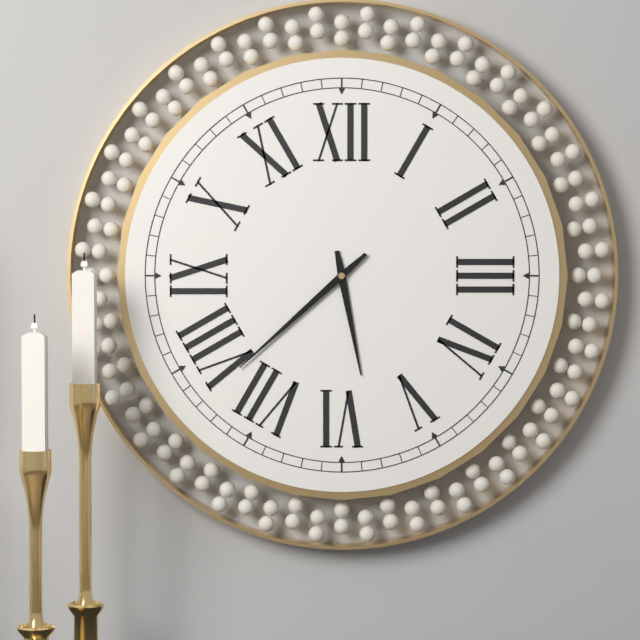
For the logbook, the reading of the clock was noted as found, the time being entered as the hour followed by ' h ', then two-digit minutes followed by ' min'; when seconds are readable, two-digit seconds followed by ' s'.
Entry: 5 h 38 min
